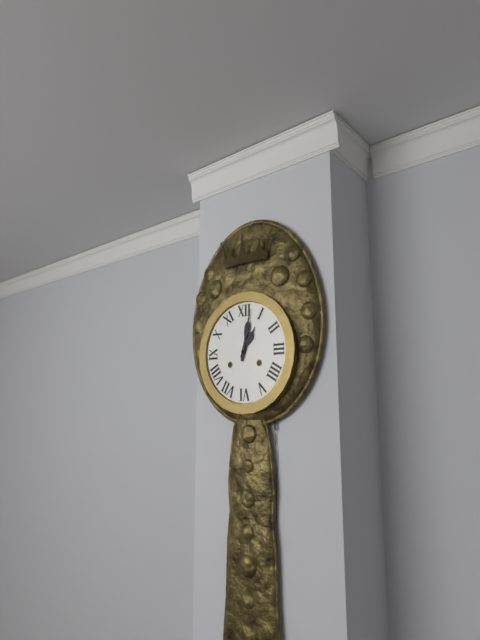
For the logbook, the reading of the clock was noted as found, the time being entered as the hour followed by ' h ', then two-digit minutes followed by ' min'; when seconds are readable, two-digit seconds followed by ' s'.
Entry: 1 h 02 min
